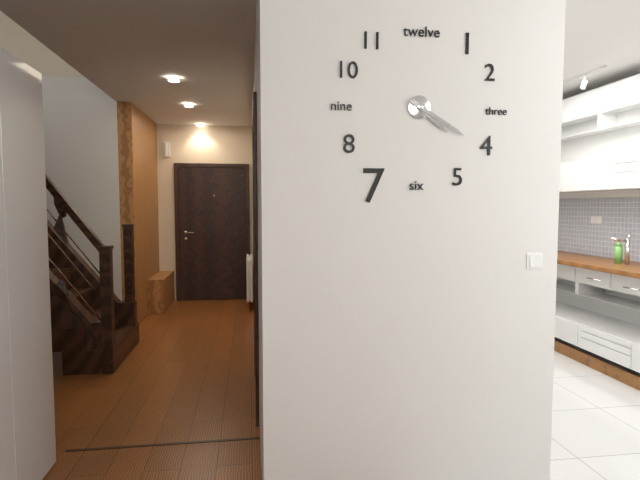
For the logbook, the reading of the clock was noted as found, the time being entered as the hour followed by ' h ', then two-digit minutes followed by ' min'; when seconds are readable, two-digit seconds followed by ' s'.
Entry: 4 h 20 min
